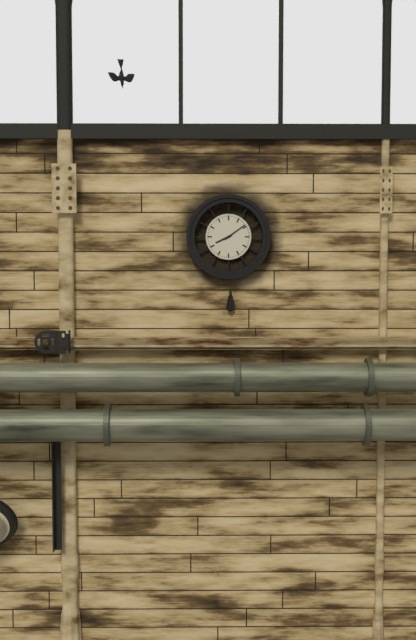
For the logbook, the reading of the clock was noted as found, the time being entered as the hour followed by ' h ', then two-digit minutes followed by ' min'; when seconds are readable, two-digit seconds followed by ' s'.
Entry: 8 h 09 min
